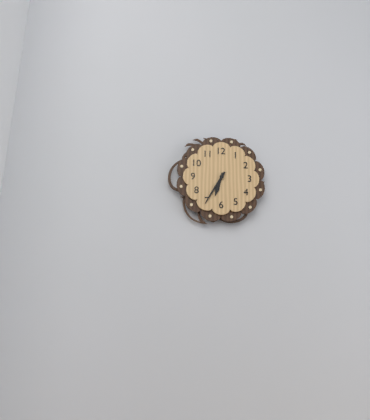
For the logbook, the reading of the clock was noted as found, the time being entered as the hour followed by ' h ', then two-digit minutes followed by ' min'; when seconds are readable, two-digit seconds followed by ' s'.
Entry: 6 h 35 min
